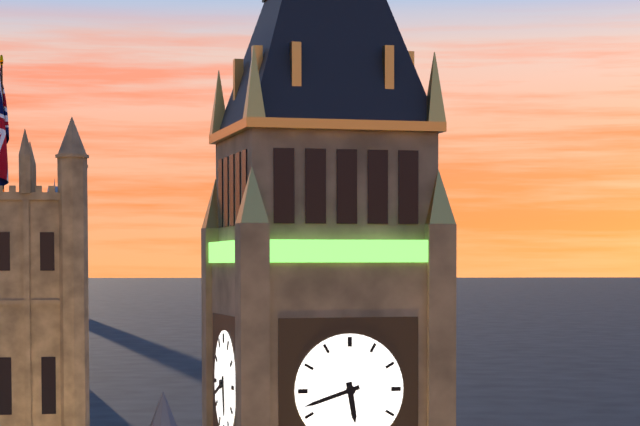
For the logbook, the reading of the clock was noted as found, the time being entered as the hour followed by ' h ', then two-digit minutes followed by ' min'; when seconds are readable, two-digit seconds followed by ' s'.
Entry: 5 h 42 min
